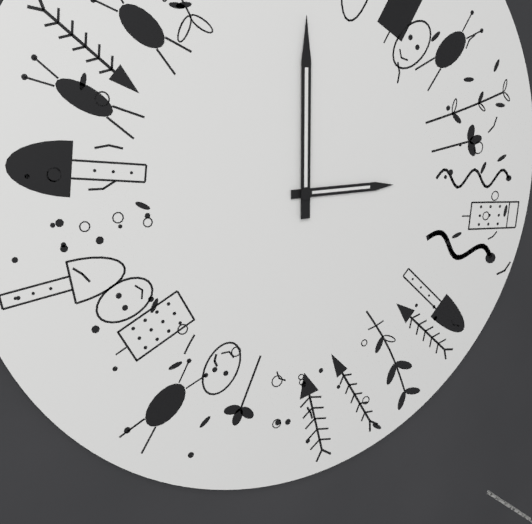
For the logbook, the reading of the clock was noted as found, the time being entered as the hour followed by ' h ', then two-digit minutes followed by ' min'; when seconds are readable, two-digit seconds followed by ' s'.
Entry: 3 h 00 min
